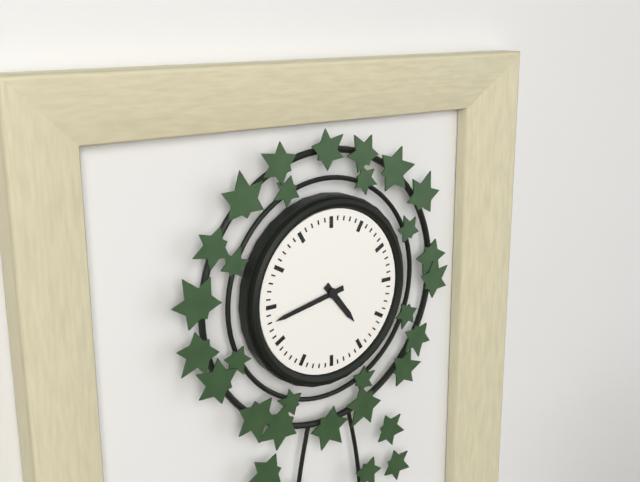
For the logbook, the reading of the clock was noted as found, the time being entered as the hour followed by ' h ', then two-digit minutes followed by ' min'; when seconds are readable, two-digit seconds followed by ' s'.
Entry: 4 h 43 min
